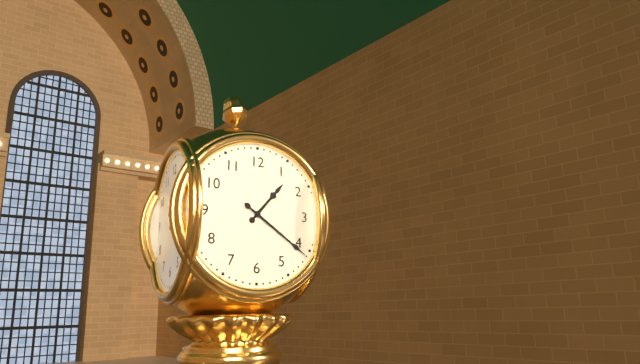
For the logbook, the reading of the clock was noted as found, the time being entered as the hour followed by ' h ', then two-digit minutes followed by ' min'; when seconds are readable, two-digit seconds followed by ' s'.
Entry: 1 h 21 min
